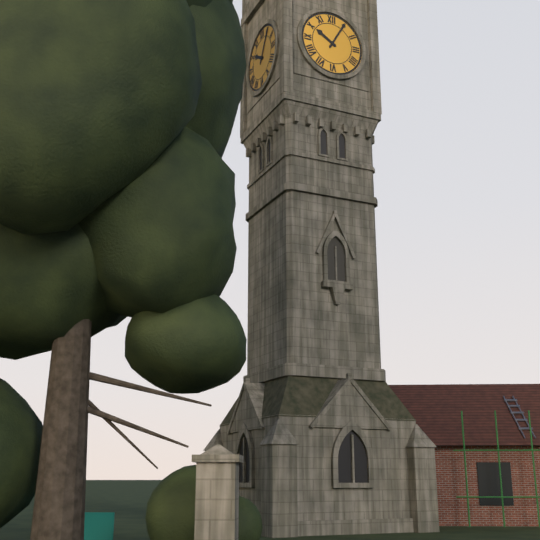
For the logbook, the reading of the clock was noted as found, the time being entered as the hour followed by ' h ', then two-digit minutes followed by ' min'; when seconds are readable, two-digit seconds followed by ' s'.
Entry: 10 h 05 min
